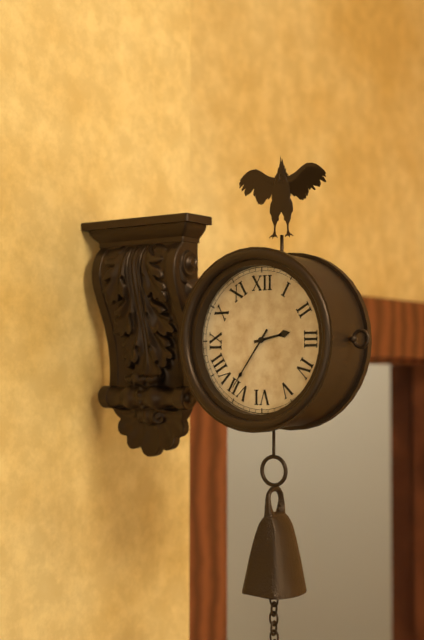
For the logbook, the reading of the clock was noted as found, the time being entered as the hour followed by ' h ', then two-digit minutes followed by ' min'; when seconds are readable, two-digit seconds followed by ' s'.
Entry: 2 h 36 min
